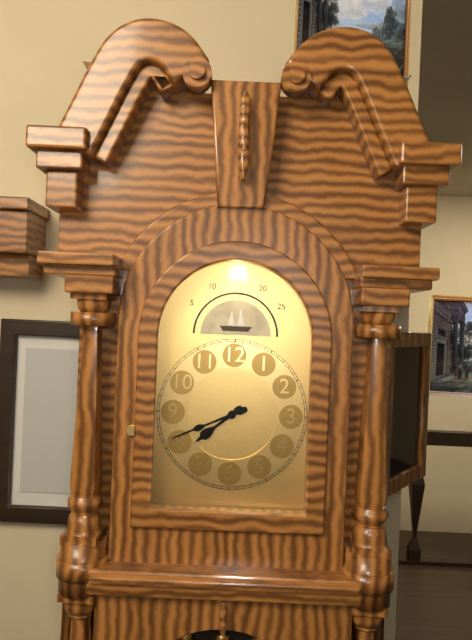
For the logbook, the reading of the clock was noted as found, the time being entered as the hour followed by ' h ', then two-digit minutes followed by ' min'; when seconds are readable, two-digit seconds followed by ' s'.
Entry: 7 h 41 min
